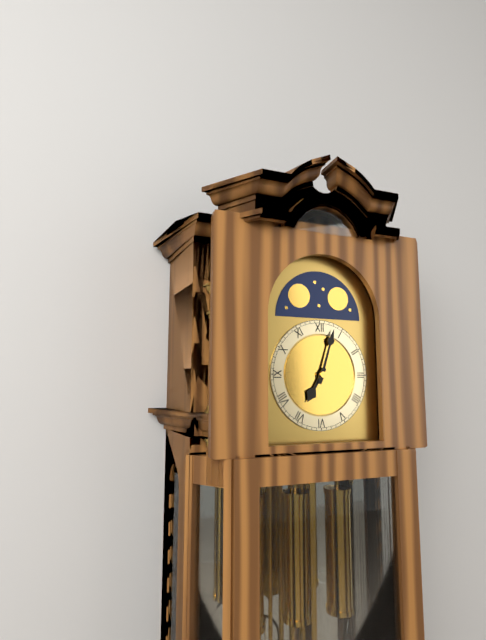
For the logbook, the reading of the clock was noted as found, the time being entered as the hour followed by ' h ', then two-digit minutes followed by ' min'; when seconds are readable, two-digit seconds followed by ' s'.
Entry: 7 h 03 min
